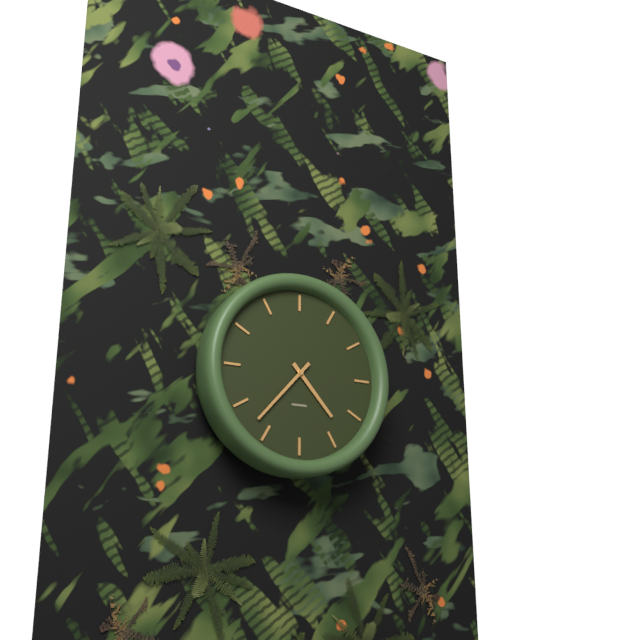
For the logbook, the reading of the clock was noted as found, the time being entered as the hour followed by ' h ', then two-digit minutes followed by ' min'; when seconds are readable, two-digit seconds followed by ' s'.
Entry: 4 h 37 min
